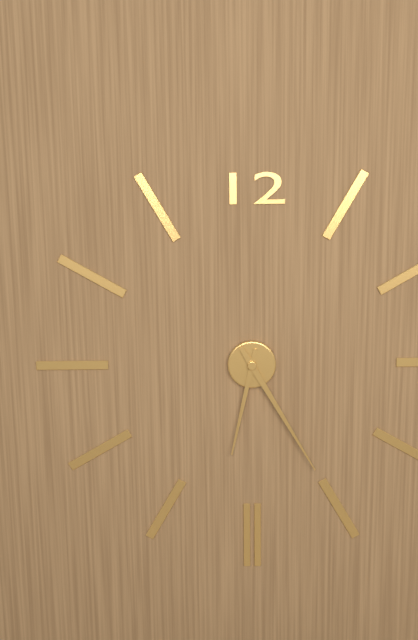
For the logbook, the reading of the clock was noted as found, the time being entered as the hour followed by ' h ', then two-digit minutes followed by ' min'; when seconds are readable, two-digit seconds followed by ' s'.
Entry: 6 h 25 min
